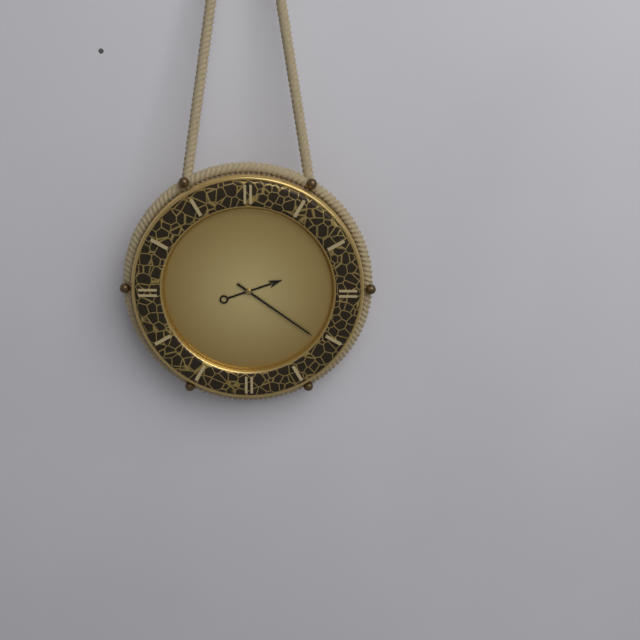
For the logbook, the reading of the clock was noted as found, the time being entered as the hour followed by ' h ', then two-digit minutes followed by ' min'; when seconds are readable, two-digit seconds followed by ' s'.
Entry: 2 h 21 min
